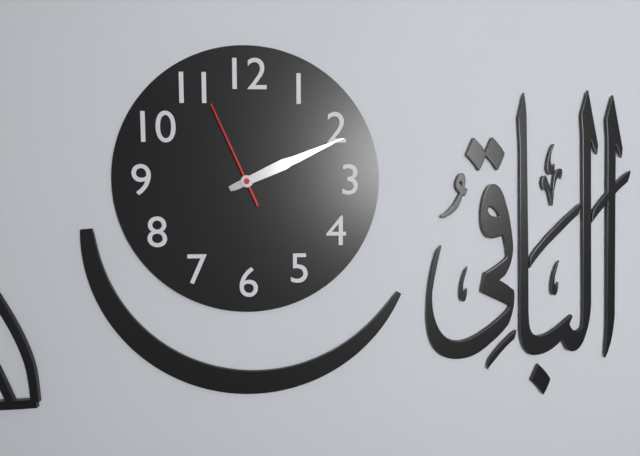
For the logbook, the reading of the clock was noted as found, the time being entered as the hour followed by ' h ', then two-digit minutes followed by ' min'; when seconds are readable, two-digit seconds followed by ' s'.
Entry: 2 h 11 min 56 s
